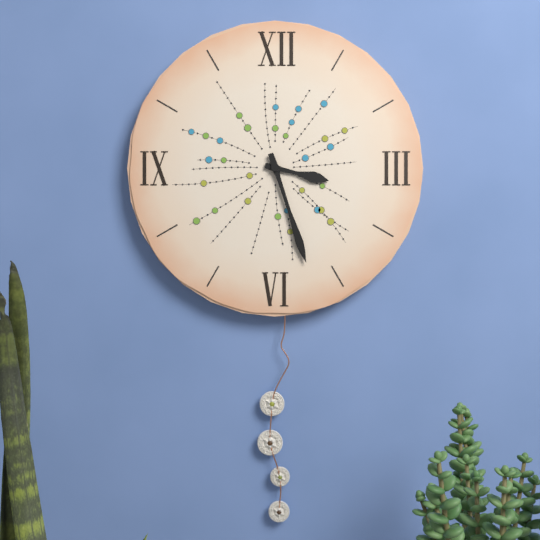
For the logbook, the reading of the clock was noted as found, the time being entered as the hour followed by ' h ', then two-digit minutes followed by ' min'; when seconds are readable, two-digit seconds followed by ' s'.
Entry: 3 h 27 min
